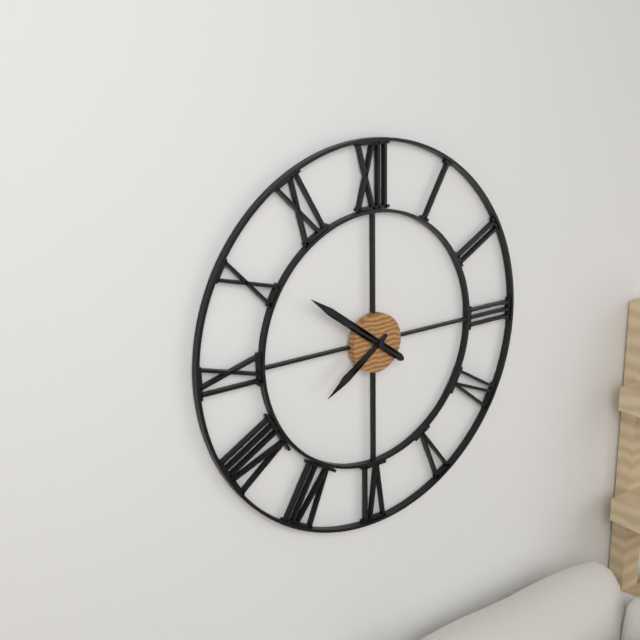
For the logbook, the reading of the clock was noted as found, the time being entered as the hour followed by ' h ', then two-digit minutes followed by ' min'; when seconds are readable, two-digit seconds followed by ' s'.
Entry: 7 h 51 min
